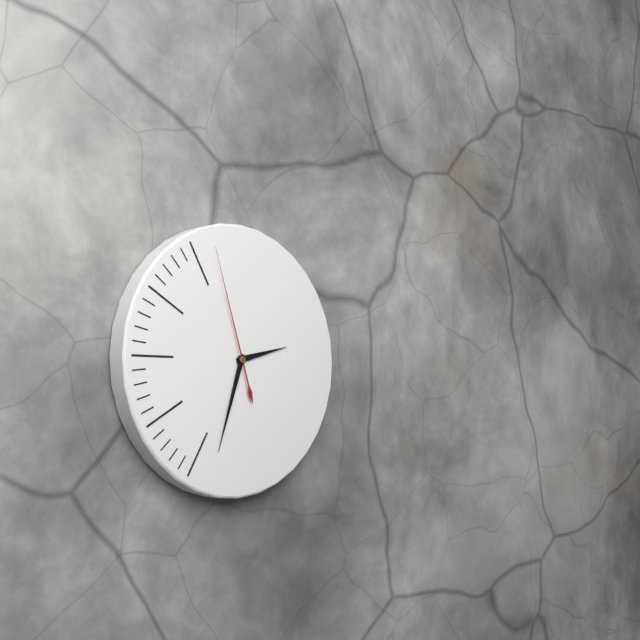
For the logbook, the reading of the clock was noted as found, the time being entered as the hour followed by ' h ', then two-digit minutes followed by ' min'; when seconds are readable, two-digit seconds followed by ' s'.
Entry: 2 h 33 min 57 s
